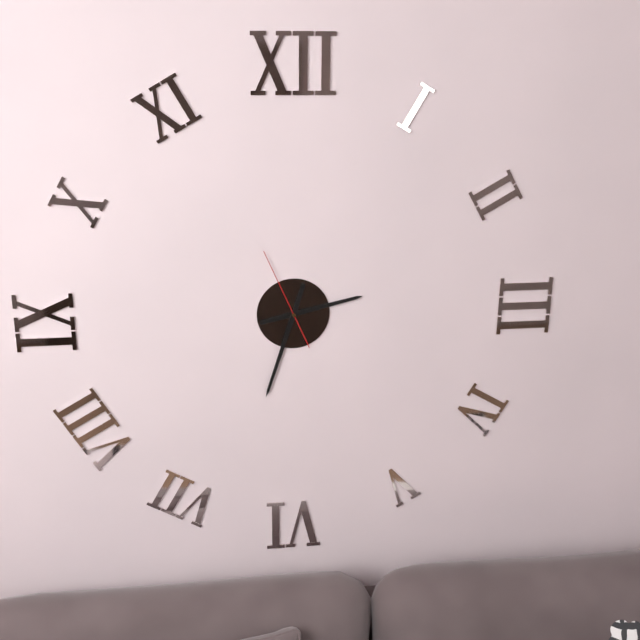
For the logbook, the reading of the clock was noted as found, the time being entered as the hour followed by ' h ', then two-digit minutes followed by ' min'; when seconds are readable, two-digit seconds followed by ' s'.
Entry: 2 h 33 min 56 s
